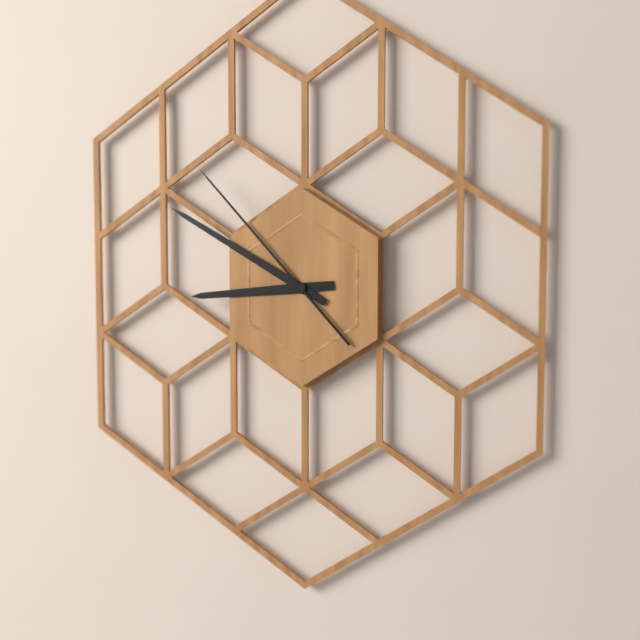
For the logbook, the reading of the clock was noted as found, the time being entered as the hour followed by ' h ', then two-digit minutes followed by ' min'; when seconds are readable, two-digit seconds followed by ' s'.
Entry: 8 h 50 min 53 s
